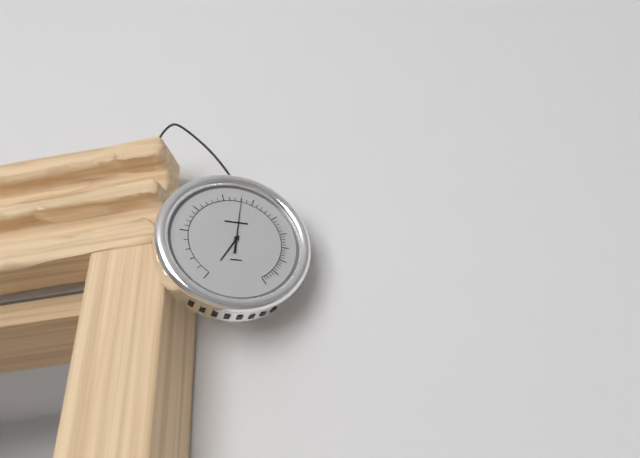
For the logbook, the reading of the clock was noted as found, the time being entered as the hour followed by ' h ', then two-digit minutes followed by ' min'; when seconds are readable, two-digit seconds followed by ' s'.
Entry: 7 h 01 min
